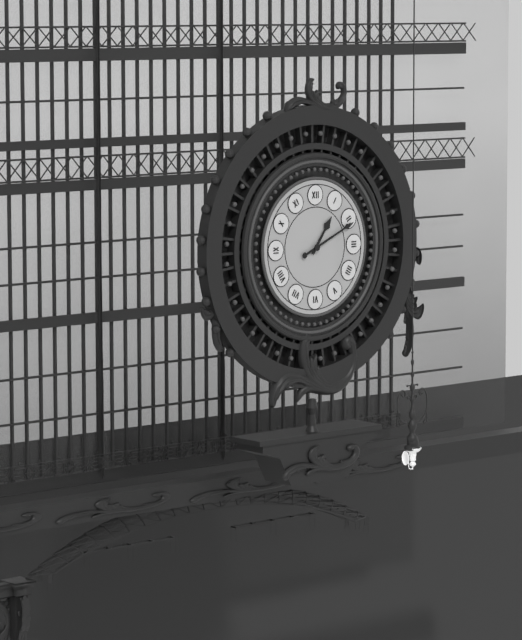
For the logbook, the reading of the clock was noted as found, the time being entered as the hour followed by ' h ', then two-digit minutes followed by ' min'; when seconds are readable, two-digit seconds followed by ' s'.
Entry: 1 h 11 min
